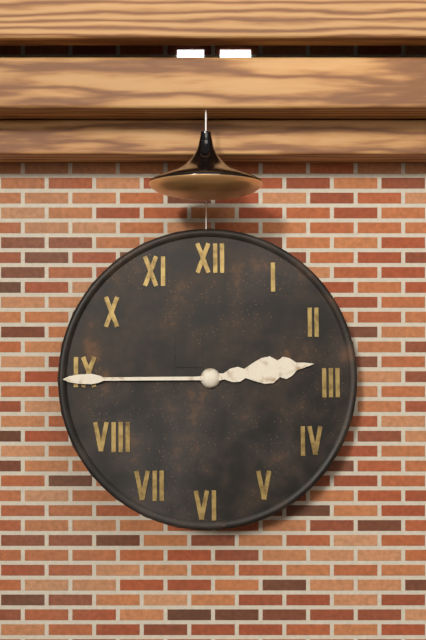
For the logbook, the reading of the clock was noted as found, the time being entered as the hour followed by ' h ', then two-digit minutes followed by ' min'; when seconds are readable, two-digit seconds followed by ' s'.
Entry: 2 h 45 min
